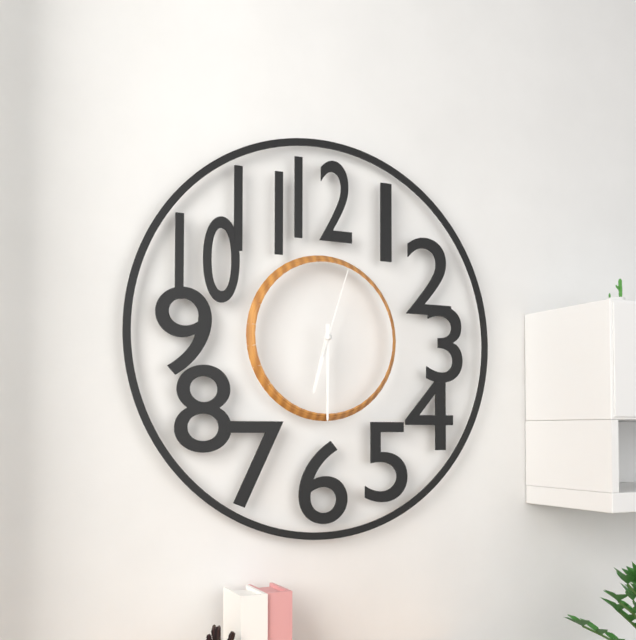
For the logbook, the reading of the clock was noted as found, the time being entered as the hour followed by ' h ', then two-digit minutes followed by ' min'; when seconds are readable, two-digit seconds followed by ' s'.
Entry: 6 h 30 min 03 s
